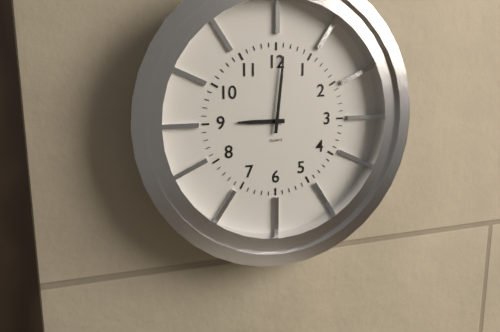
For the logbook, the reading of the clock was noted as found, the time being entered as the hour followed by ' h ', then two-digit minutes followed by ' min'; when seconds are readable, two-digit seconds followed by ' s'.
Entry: 9 h 01 min
